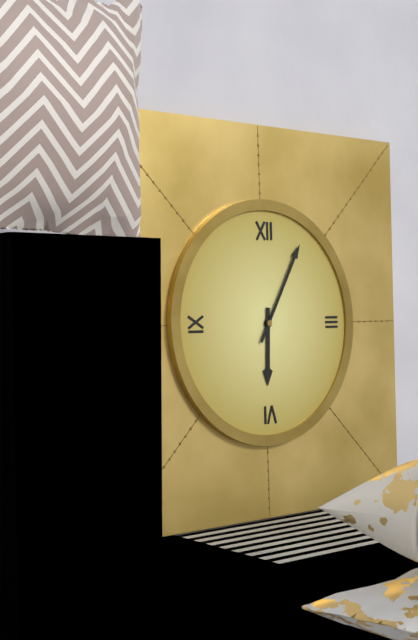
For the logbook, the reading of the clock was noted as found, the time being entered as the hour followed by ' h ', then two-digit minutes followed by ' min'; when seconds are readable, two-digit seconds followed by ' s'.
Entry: 6 h 05 min
